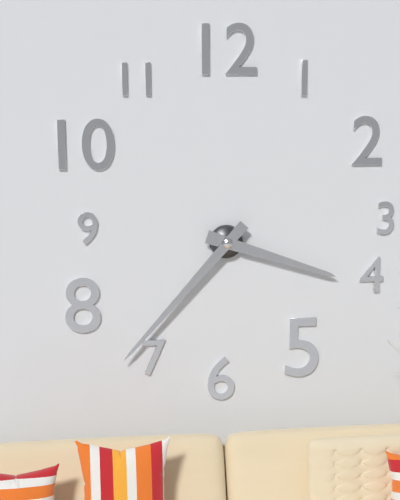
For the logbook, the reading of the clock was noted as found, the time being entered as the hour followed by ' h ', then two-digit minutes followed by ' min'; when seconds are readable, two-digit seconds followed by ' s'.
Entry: 3 h 37 min
